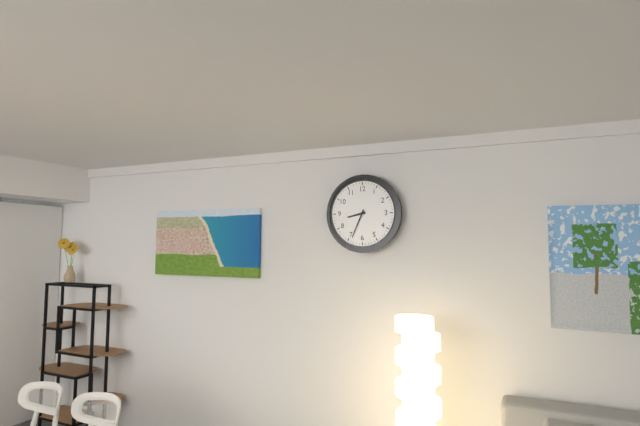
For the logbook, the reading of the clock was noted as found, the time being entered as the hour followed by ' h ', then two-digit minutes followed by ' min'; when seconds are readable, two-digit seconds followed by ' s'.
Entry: 8 h 34 min
